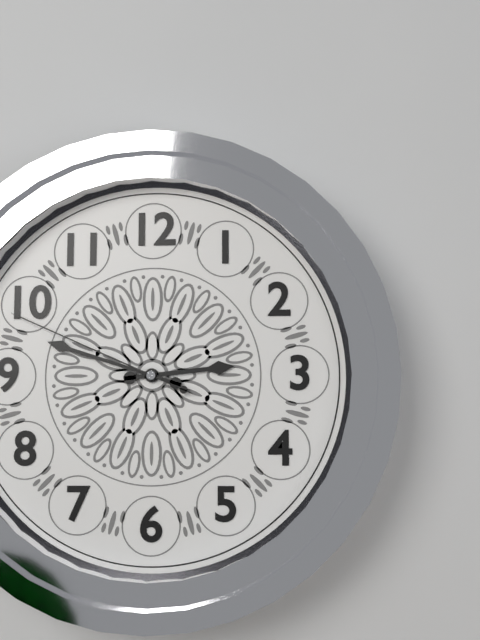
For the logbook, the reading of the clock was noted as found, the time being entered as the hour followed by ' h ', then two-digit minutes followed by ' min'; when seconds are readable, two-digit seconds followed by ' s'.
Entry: 2 h 48 min 49 s
